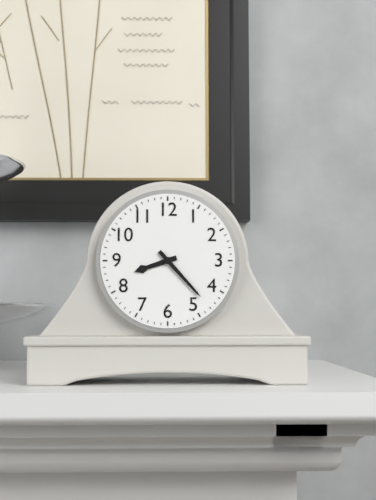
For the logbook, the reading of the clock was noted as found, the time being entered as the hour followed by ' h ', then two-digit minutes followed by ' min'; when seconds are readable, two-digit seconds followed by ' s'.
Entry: 8 h 23 min
